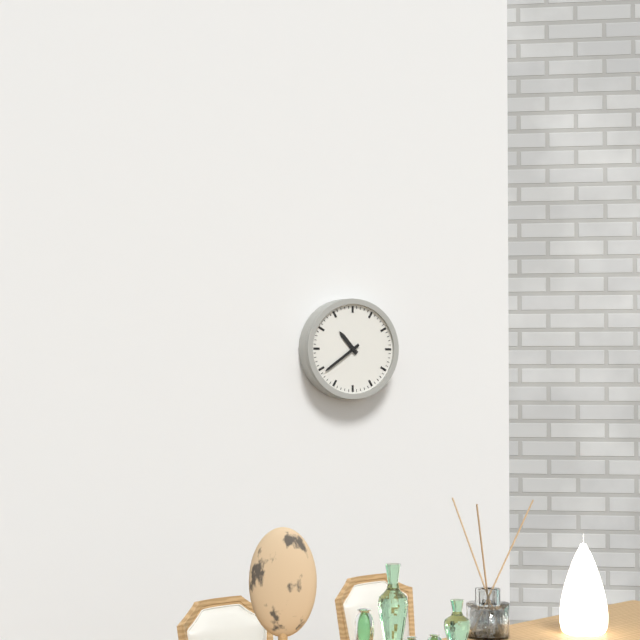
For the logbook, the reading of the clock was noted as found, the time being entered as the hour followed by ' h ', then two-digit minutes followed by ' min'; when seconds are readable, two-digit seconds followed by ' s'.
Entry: 10 h 39 min
